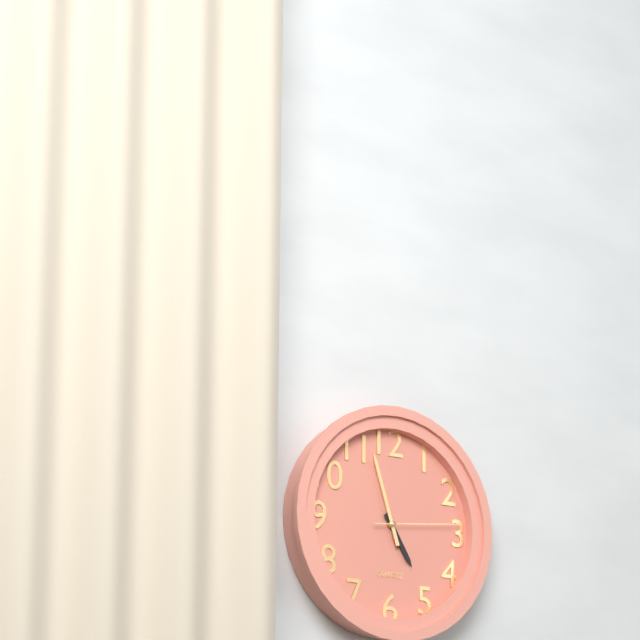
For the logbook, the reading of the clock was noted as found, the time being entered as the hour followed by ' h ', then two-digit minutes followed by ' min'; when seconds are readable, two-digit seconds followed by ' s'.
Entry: 4 h 57 min 14 s
